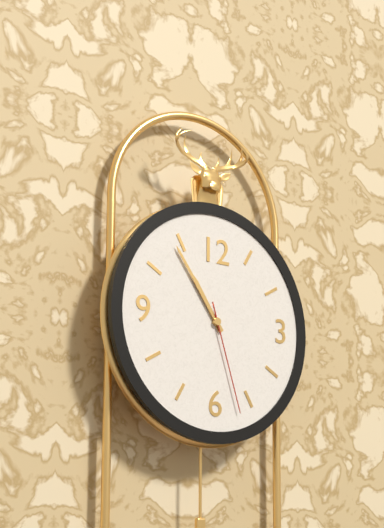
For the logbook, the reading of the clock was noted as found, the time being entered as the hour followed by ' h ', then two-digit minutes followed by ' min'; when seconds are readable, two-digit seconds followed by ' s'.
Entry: 10 h 54 min 27 s
